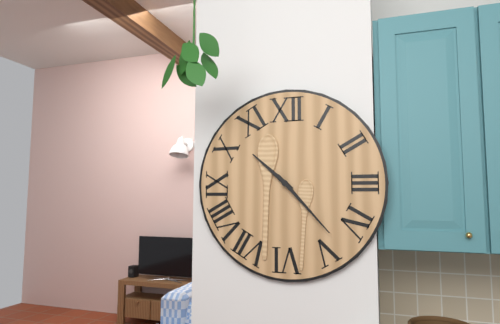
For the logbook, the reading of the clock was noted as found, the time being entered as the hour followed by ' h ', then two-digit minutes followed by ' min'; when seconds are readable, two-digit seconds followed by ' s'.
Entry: 10 h 23 min
